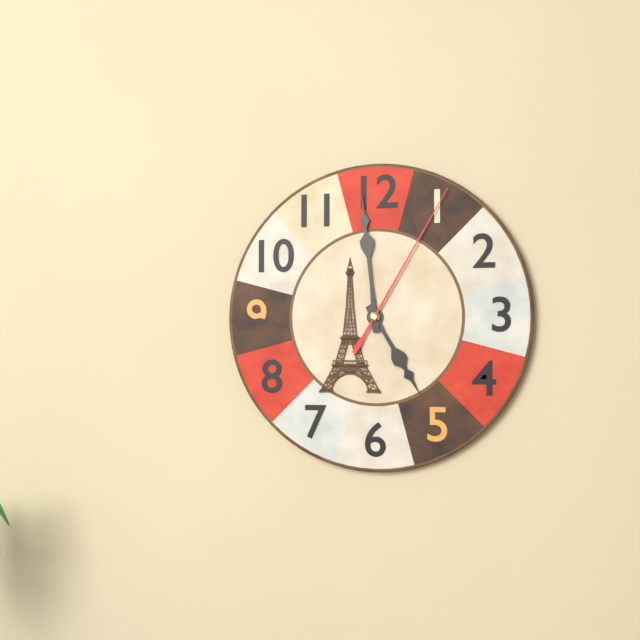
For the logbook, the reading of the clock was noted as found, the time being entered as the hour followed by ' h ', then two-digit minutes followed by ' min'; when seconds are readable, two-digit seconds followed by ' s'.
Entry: 4 h 59 min 05 s
